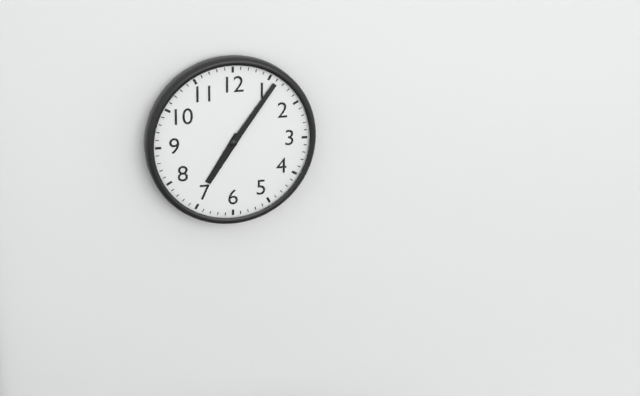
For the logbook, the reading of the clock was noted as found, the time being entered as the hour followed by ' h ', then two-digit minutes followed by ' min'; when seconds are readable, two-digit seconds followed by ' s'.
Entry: 7 h 06 min
